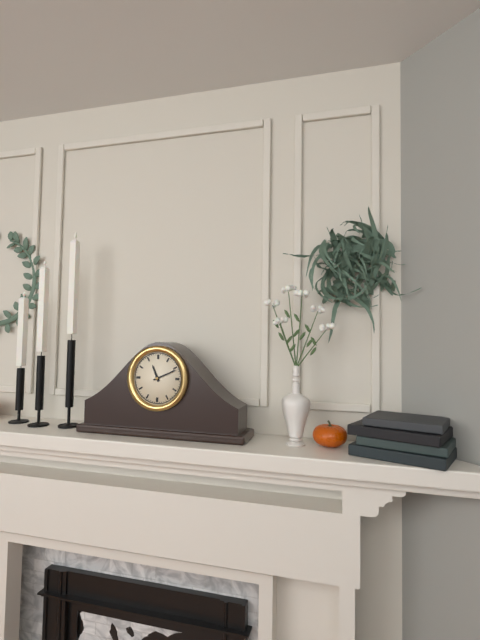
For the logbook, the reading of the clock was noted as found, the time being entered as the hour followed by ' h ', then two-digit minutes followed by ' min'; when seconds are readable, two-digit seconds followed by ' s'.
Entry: 11 h 11 min
